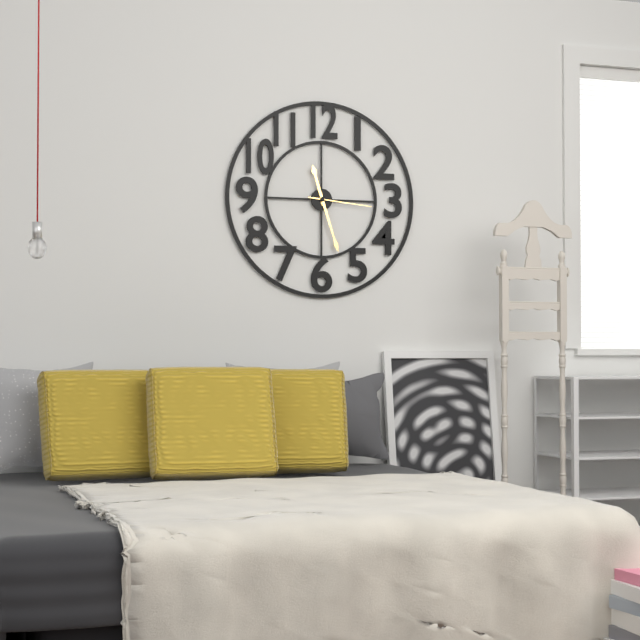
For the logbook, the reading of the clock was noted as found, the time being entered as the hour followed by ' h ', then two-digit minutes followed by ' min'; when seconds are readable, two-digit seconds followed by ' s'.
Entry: 11 h 27 min 16 s
